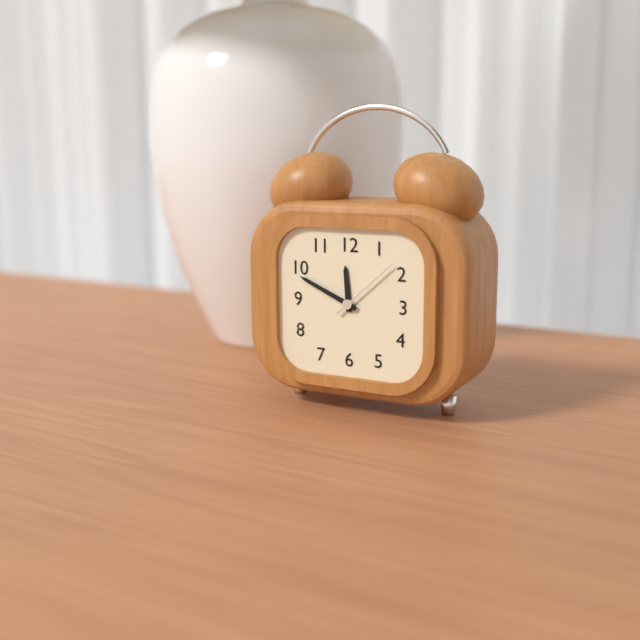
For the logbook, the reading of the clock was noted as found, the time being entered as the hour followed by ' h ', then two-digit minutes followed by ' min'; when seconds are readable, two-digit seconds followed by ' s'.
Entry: 11 h 49 min 08 s
